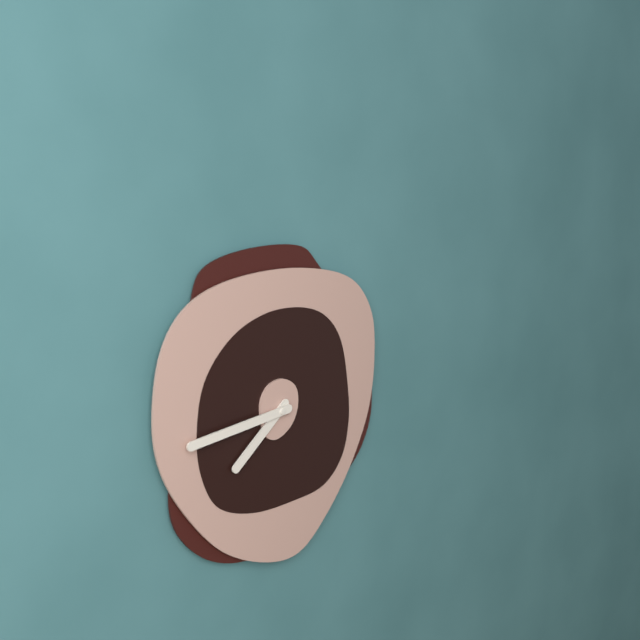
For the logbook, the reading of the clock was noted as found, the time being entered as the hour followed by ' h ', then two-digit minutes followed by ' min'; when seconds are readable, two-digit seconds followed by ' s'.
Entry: 7 h 44 min
